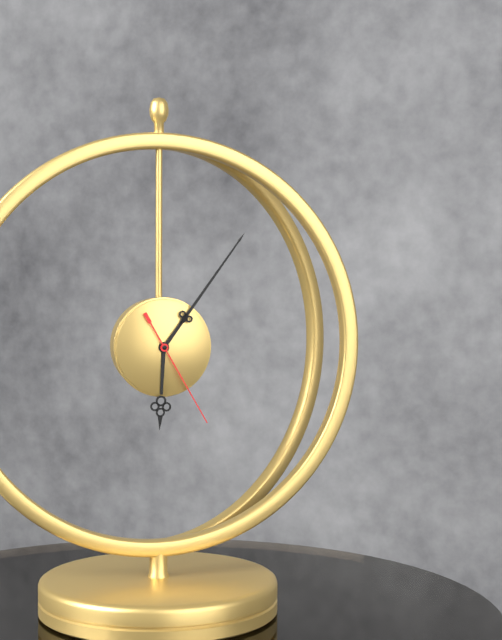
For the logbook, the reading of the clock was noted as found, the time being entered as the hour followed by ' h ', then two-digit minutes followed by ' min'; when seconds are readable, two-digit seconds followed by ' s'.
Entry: 6 h 06 min 25 s
